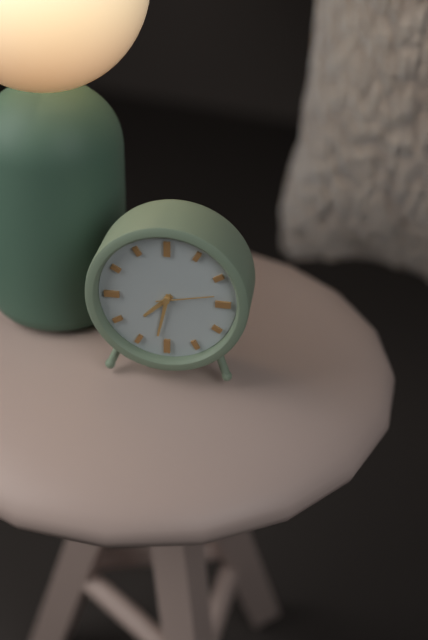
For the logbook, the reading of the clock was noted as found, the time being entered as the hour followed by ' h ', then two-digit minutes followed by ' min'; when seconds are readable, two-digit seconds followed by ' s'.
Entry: 7 h 32 min 13 s
